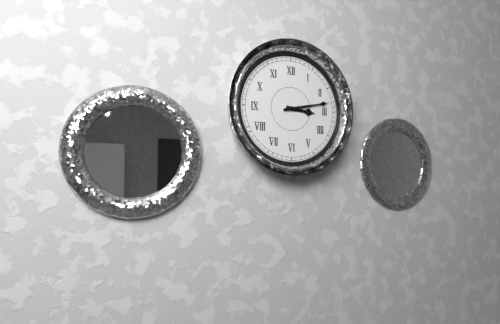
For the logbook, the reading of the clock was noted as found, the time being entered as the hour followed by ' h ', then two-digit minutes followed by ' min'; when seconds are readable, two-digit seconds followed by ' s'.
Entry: 3 h 13 min
